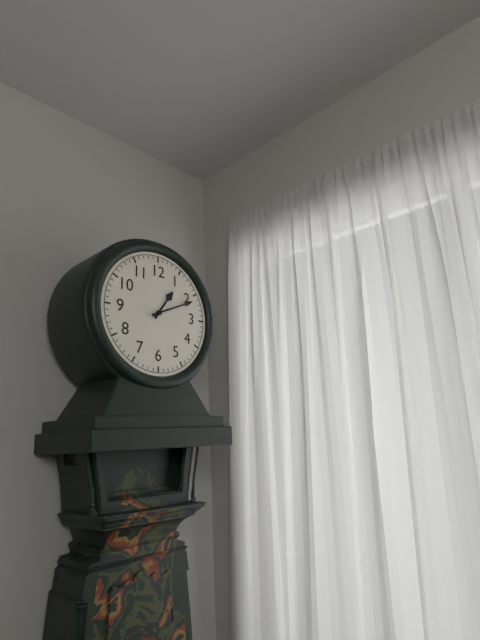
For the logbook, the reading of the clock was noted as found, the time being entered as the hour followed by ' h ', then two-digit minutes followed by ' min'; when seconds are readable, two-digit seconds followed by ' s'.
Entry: 1 h 11 min
